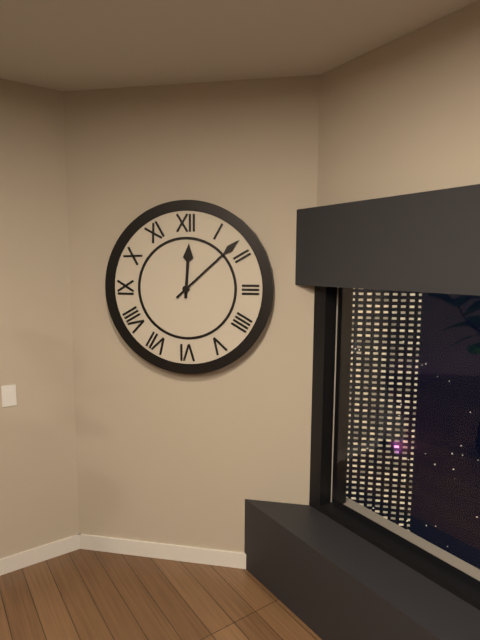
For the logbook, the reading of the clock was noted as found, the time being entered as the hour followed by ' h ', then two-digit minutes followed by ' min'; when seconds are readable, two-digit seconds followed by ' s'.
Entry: 12 h 08 min
